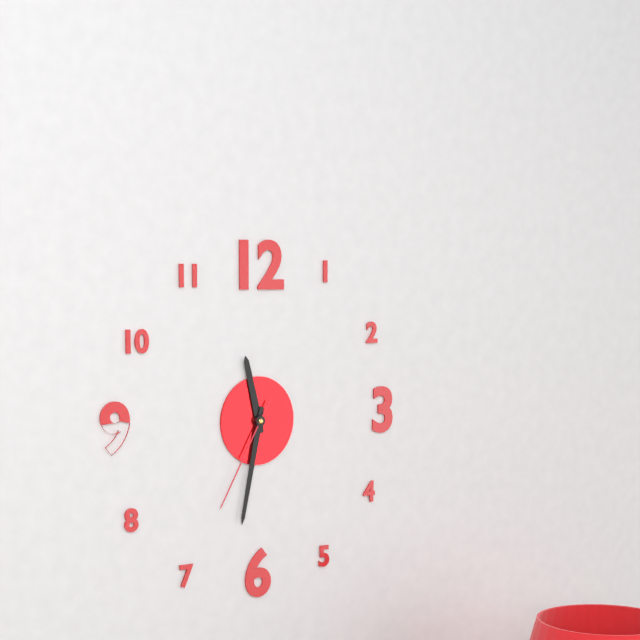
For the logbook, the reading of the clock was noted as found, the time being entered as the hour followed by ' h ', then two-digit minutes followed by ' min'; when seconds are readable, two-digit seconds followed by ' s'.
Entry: 11 h 32 min 35 s
